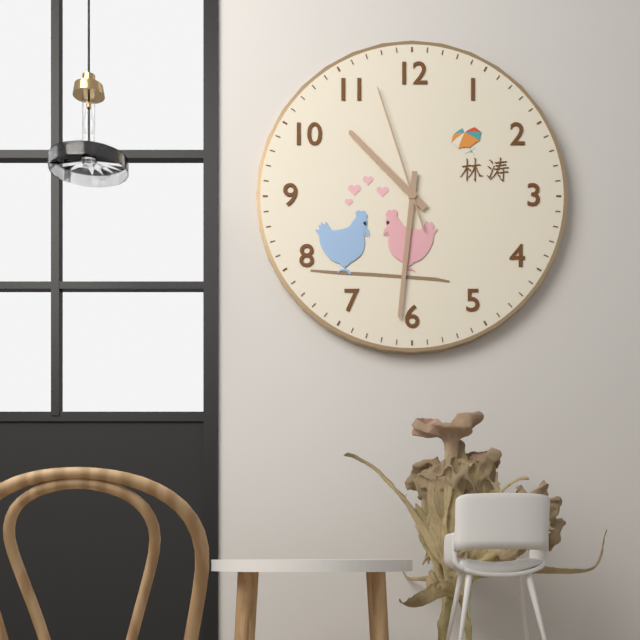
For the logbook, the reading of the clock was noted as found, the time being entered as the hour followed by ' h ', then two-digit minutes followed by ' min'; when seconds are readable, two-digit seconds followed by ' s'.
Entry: 10 h 31 min 57 s
